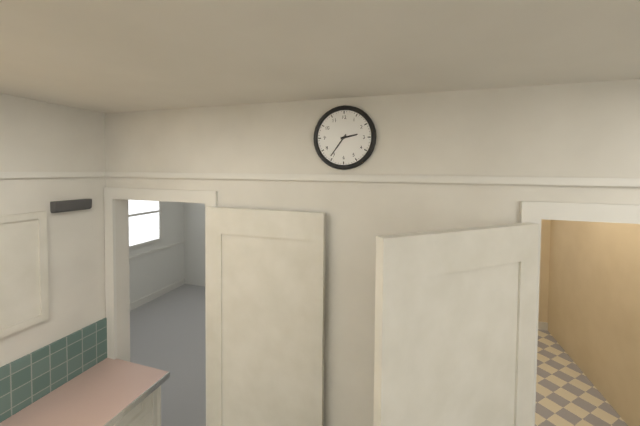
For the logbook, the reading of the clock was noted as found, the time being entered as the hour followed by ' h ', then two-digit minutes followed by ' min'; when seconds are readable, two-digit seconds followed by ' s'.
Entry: 2 h 36 min
